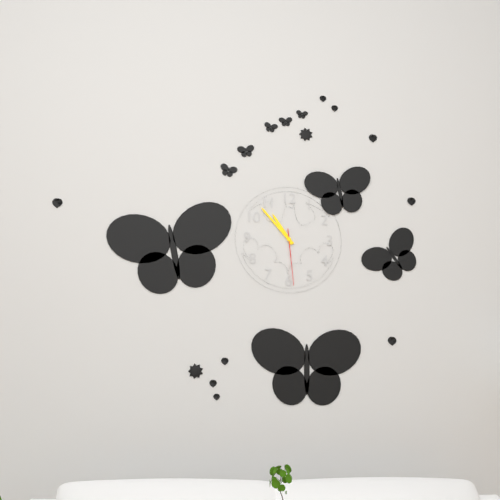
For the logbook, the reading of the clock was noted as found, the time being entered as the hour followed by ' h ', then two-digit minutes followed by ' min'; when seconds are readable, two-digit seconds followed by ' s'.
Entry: 10 h 53 min 29 s
